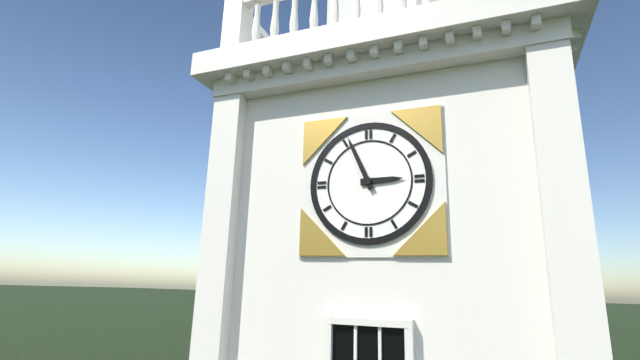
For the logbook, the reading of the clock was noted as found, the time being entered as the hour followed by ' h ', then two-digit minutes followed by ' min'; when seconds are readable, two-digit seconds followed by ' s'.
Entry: 2 h 56 min
